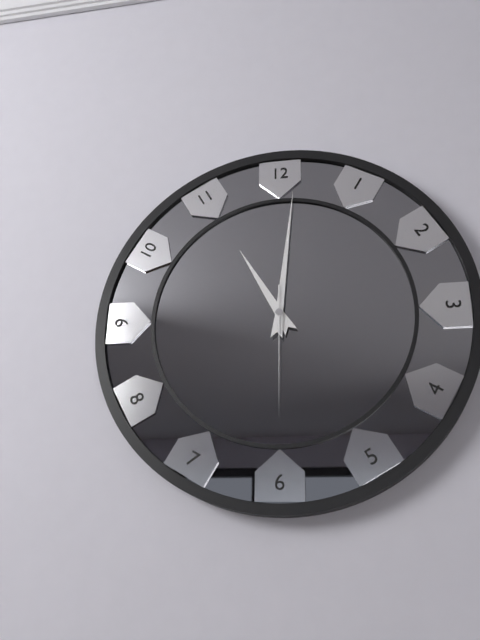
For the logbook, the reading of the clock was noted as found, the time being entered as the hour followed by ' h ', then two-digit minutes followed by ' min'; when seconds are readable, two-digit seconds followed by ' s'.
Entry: 11 h 01 min 30 s
